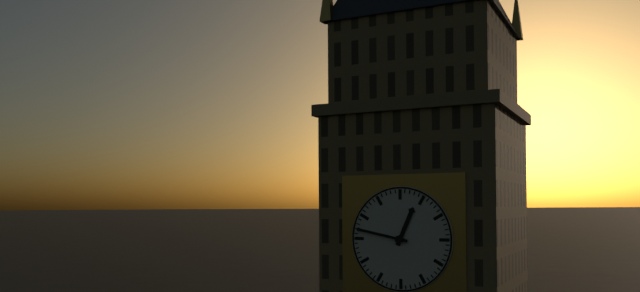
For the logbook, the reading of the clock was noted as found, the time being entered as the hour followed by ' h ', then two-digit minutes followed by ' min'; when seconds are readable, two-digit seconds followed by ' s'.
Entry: 12 h 47 min
